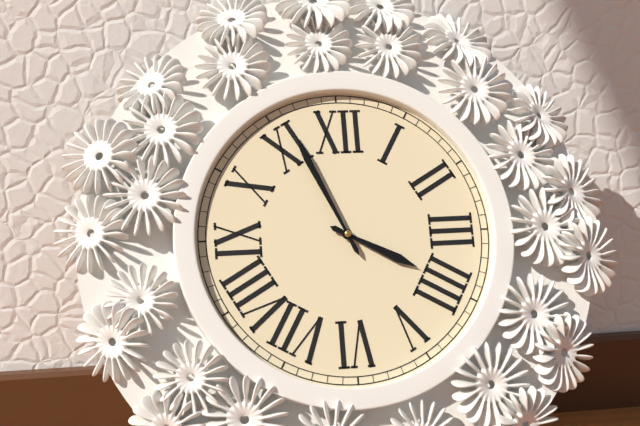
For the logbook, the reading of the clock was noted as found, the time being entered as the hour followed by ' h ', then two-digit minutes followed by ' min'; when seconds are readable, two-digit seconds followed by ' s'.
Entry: 3 h 56 min
